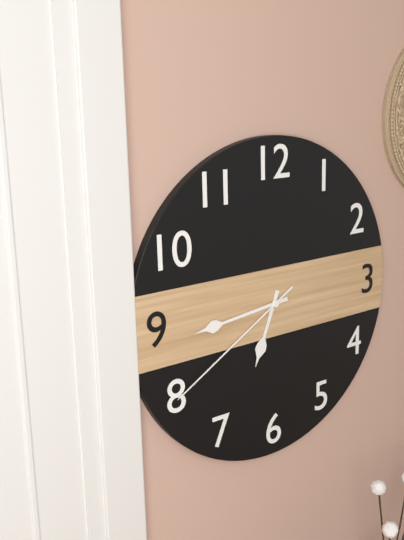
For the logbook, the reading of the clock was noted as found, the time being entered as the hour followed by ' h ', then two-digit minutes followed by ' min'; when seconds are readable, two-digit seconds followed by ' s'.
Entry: 6 h 44 min 40 s
